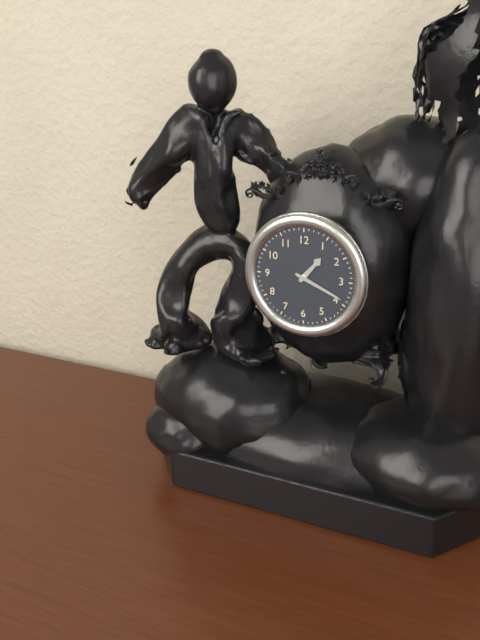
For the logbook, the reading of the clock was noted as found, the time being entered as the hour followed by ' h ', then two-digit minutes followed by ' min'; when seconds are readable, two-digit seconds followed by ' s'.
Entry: 1 h 19 min
